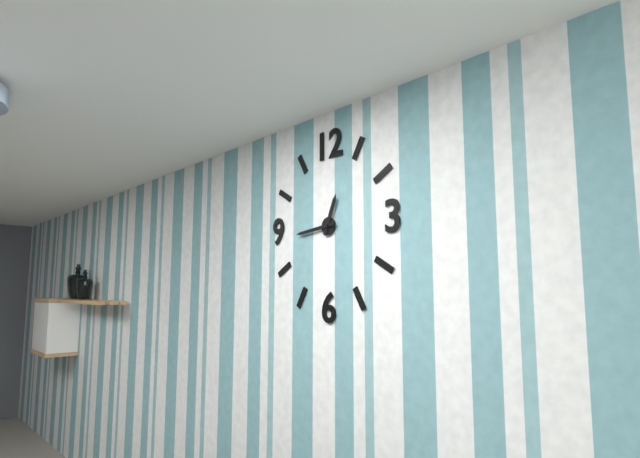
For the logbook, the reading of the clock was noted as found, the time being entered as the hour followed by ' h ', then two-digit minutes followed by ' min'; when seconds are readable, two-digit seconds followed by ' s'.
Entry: 12 h 44 min
